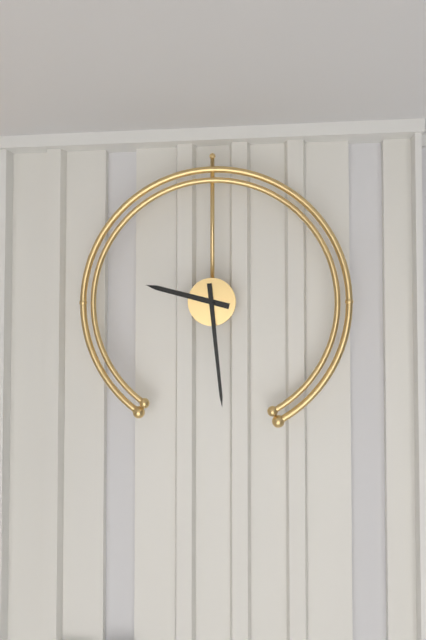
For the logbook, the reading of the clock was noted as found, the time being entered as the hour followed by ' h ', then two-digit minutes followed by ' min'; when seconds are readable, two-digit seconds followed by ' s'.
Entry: 9 h 29 min
